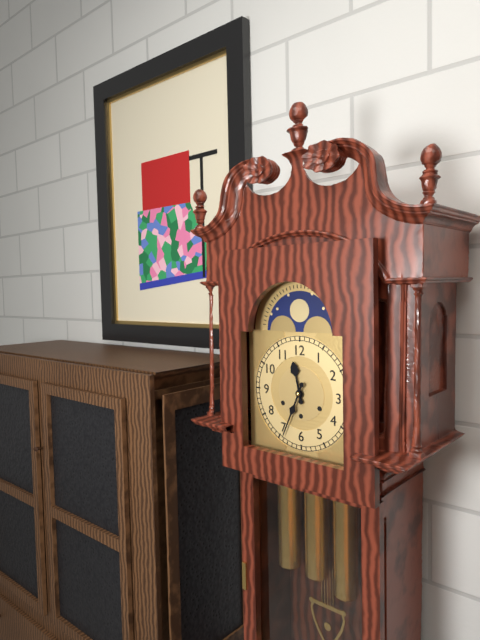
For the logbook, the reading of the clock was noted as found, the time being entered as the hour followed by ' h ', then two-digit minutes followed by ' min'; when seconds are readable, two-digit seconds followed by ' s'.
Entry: 11 h 34 min
